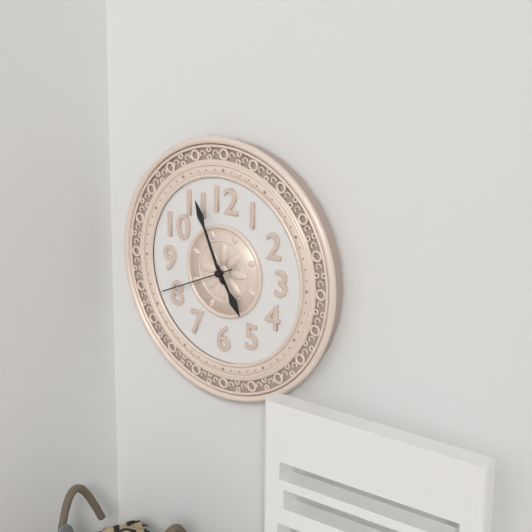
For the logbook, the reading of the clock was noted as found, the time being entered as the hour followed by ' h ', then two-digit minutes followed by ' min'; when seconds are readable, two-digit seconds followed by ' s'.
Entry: 4 h 56 min 41 s
